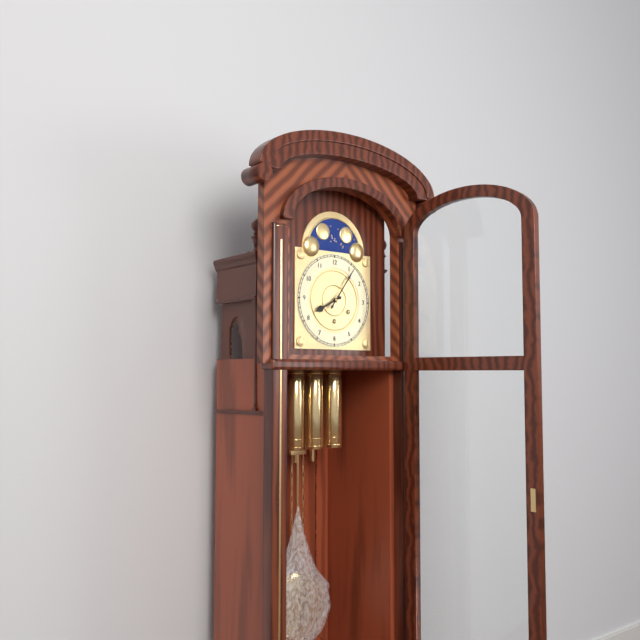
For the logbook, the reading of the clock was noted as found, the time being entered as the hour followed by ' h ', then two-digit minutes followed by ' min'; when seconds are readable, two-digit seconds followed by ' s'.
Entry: 8 h 06 min
